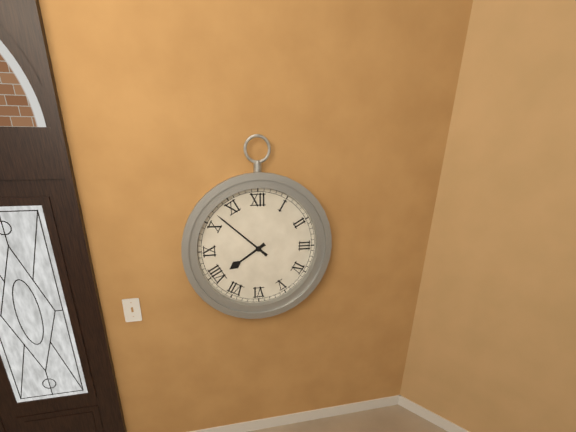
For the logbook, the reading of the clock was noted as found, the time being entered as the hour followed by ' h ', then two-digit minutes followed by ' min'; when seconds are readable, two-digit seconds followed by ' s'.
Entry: 7 h 52 min
